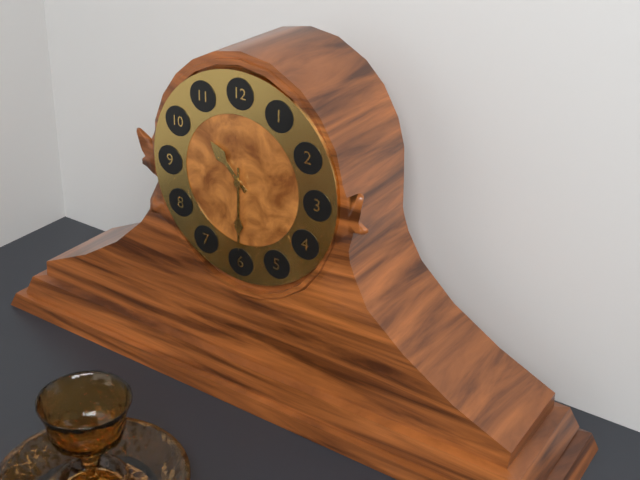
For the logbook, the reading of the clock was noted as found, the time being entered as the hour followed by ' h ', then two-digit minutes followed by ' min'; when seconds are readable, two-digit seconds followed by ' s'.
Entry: 10 h 30 min
